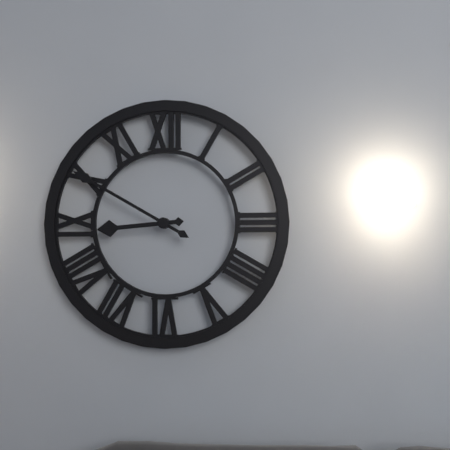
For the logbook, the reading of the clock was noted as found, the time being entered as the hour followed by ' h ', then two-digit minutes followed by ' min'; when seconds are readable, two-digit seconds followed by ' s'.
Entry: 8 h 50 min
